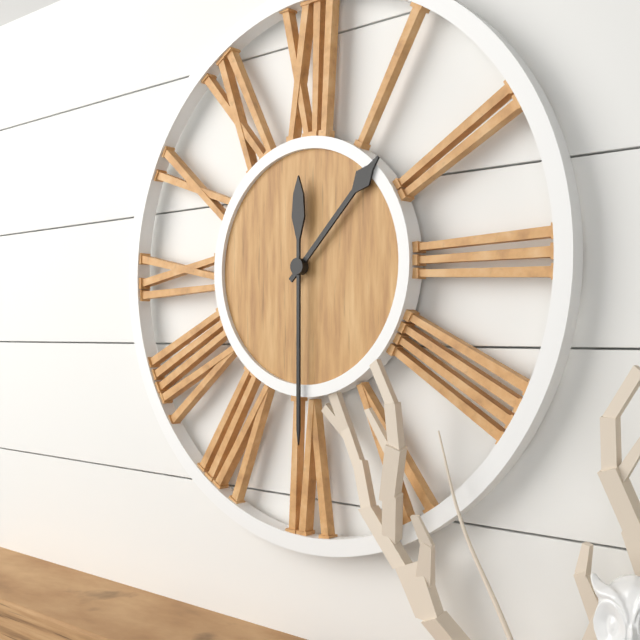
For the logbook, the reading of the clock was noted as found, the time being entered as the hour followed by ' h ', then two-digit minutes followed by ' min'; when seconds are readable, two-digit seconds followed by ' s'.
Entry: 1 h 30 min
